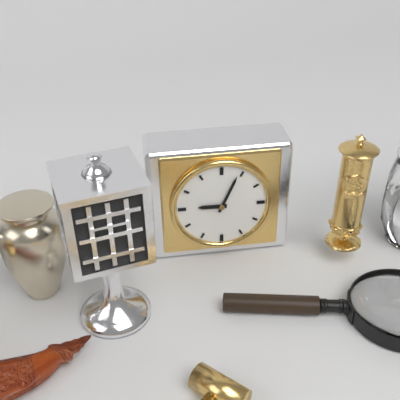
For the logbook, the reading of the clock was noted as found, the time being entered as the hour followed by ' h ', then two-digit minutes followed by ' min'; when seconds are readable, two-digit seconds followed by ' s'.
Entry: 9 h 04 min
